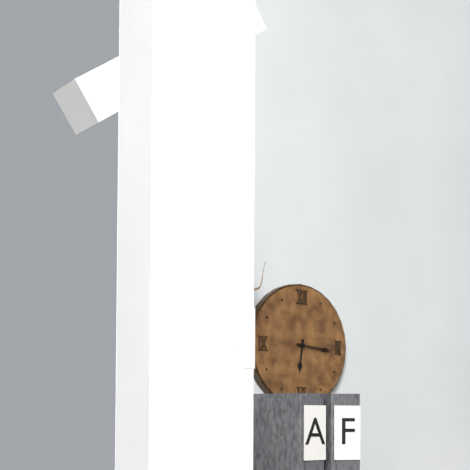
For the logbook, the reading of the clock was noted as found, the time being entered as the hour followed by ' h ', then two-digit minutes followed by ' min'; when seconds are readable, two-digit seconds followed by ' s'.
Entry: 6 h 16 min
